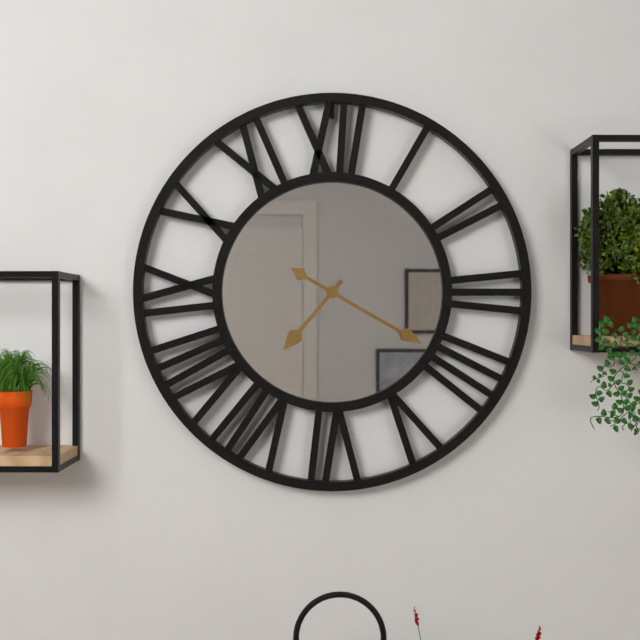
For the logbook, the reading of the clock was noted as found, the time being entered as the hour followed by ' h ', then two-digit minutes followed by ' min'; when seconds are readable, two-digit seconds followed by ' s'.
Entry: 7 h 20 min
